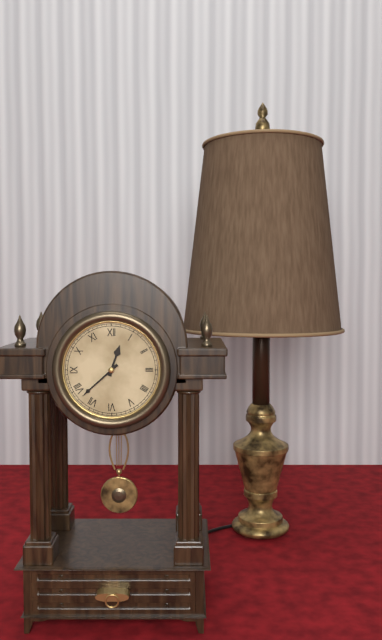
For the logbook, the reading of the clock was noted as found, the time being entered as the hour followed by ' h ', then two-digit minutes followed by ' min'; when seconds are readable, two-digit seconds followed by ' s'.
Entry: 12 h 38 min
